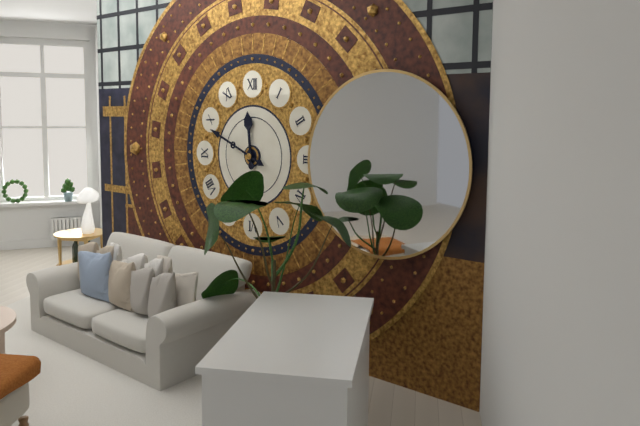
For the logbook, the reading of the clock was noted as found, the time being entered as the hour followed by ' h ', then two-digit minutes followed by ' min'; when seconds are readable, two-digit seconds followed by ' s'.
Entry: 11 h 49 min
